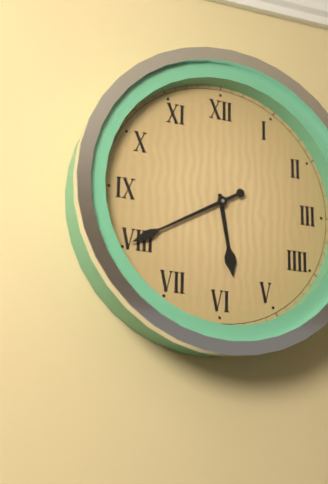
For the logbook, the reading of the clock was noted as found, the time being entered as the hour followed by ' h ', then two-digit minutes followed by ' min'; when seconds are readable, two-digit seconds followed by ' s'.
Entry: 5 h 40 min
